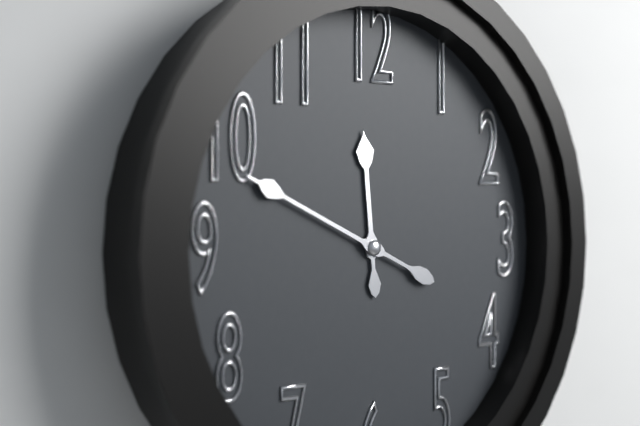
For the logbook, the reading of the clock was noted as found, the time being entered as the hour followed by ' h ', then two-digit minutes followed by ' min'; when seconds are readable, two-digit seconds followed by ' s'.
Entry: 11 h 49 min
